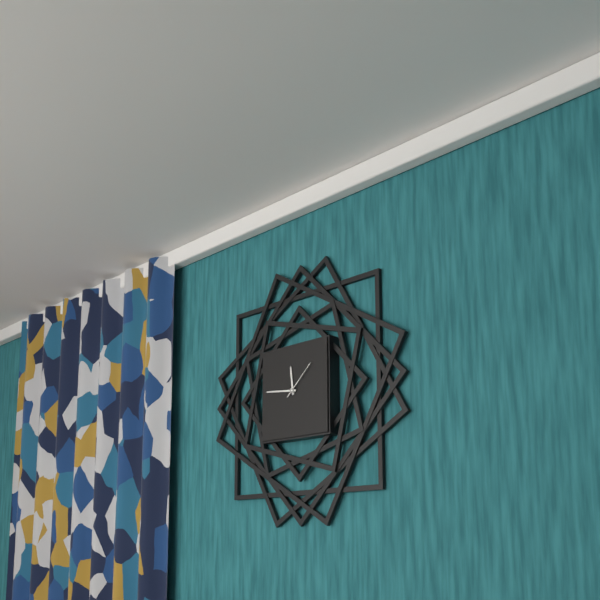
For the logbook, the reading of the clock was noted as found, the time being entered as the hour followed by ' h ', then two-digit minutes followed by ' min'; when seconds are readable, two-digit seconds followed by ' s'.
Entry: 11 h 46 min
